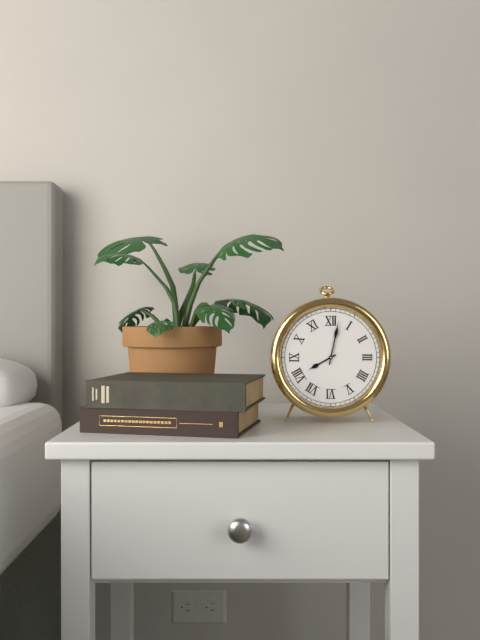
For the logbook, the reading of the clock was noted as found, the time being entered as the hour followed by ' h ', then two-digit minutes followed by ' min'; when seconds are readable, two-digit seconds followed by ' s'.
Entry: 8 h 02 min
